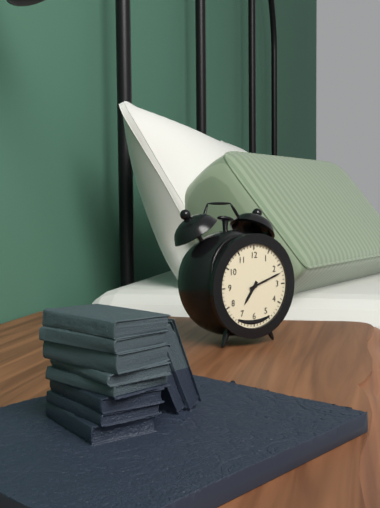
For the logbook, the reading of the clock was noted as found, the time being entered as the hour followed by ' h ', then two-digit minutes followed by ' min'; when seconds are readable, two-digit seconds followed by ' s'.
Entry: 7 h 12 min
